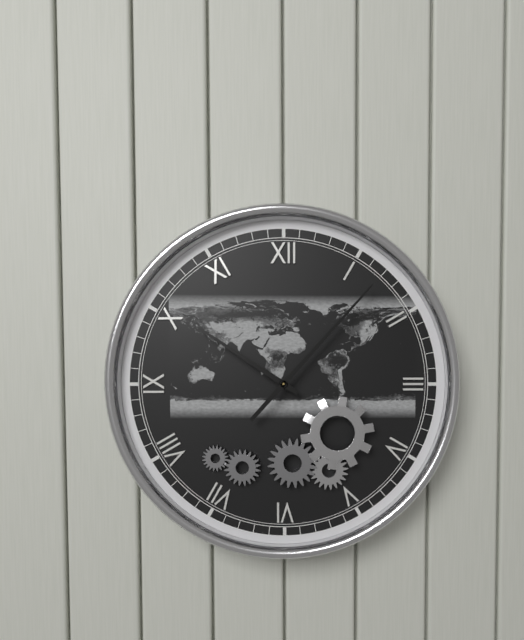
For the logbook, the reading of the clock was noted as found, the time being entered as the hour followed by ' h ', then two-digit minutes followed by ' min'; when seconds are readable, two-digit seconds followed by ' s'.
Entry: 10 h 07 min
